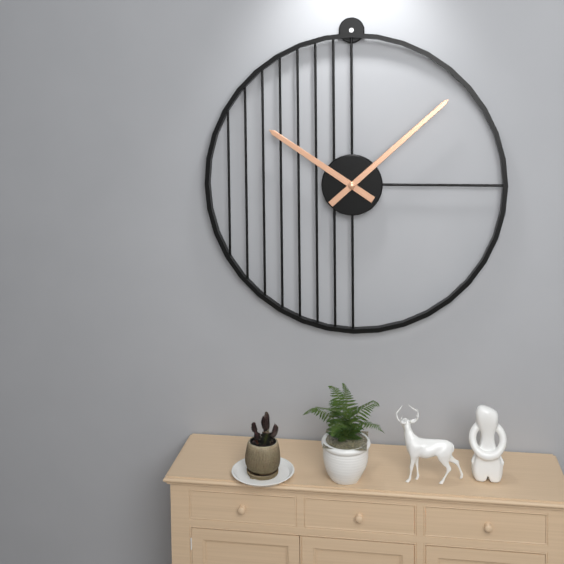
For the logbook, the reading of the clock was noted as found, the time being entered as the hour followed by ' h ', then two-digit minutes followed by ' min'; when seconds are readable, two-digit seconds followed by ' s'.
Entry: 10 h 08 min
